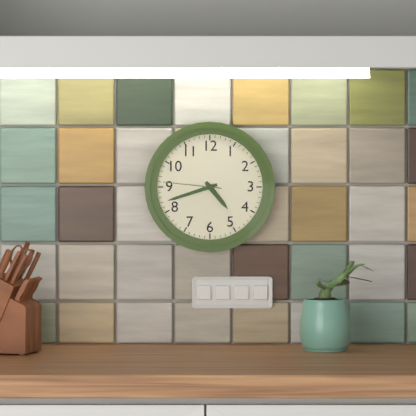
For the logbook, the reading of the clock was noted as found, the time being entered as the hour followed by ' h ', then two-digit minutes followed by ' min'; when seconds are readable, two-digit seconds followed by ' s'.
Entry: 4 h 42 min 46 s
